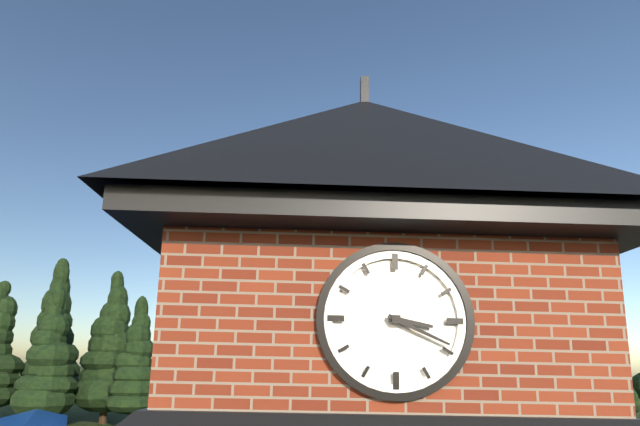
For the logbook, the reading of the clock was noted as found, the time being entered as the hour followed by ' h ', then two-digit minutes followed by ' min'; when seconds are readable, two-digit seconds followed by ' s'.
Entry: 3 h 19 min
